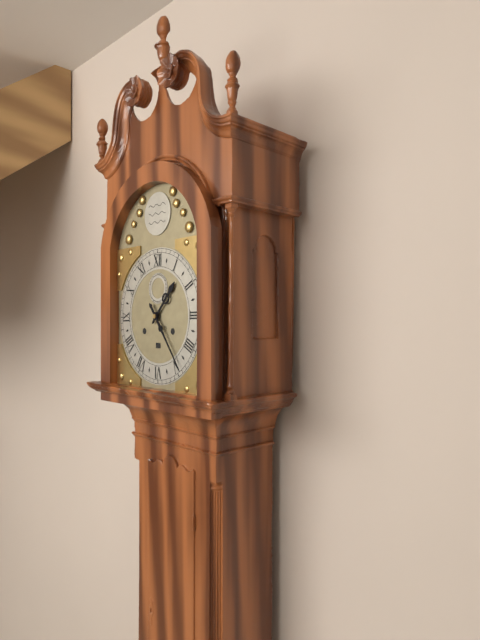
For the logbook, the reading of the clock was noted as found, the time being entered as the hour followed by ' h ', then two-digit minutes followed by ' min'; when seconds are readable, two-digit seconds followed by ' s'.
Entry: 1 h 24 min
